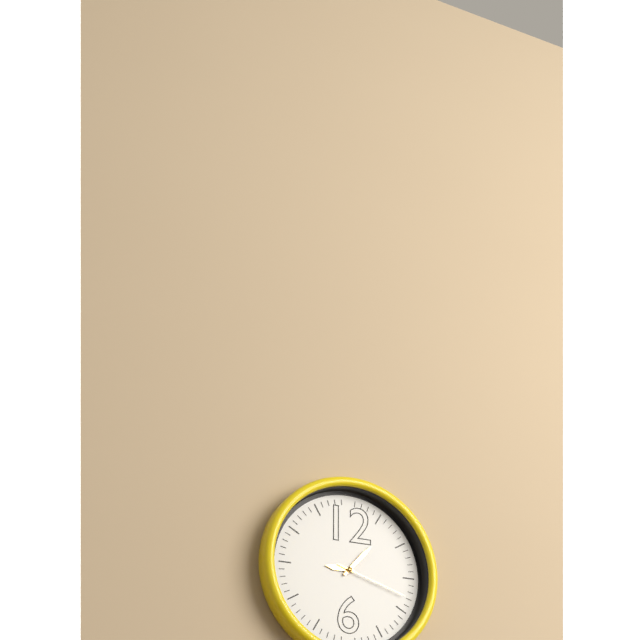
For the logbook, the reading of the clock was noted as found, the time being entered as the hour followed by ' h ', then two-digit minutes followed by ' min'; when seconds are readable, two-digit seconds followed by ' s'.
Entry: 9 h 07 min 18 s
